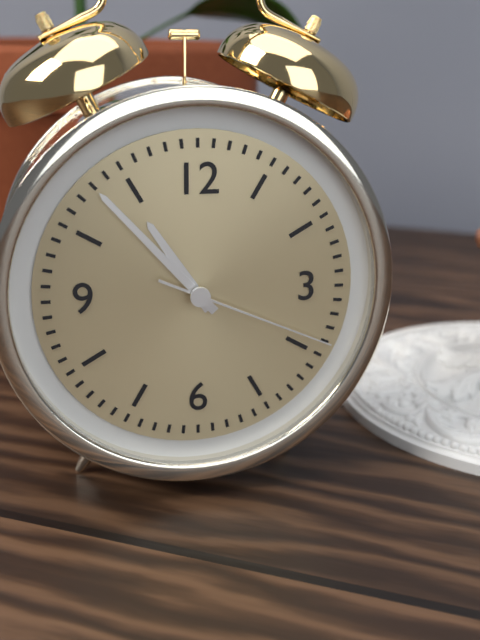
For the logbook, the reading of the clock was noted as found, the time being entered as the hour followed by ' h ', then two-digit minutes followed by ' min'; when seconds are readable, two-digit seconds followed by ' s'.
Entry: 10 h 53 min 19 s
